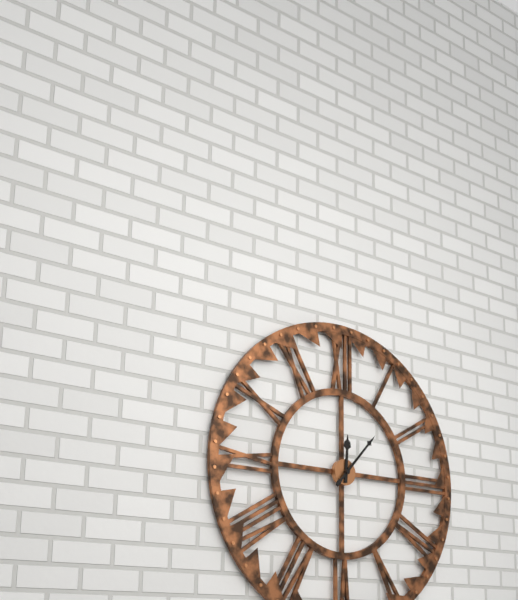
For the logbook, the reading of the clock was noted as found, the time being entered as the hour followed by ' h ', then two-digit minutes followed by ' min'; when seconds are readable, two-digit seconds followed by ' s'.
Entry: 12 h 07 min
